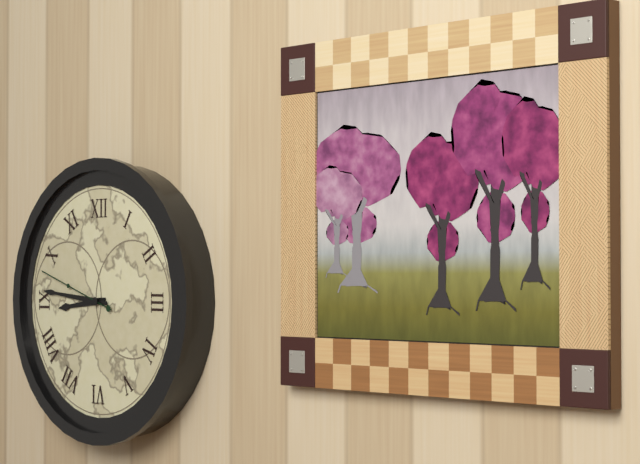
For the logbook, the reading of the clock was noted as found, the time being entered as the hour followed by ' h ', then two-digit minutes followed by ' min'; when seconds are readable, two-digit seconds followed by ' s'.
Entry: 8 h 46 min 48 s
